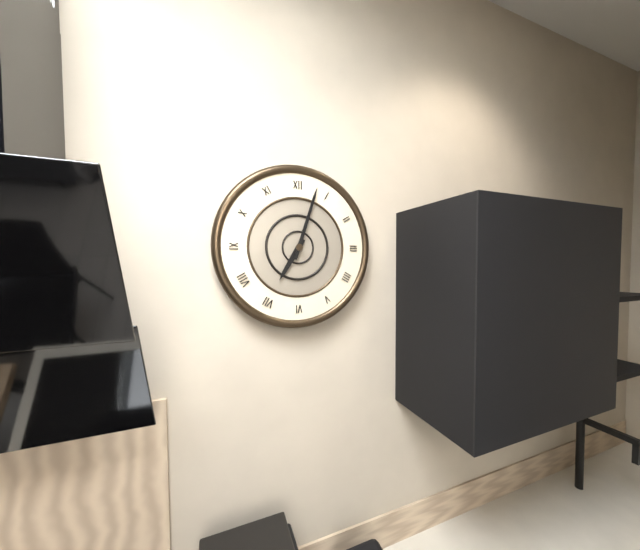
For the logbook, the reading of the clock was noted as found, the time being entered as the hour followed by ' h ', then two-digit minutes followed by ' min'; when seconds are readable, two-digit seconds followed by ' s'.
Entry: 7 h 03 min
